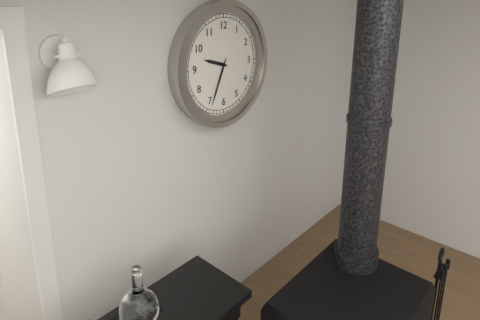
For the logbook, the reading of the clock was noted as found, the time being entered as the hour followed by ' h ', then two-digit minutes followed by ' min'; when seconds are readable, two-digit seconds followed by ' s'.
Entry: 9 h 34 min
